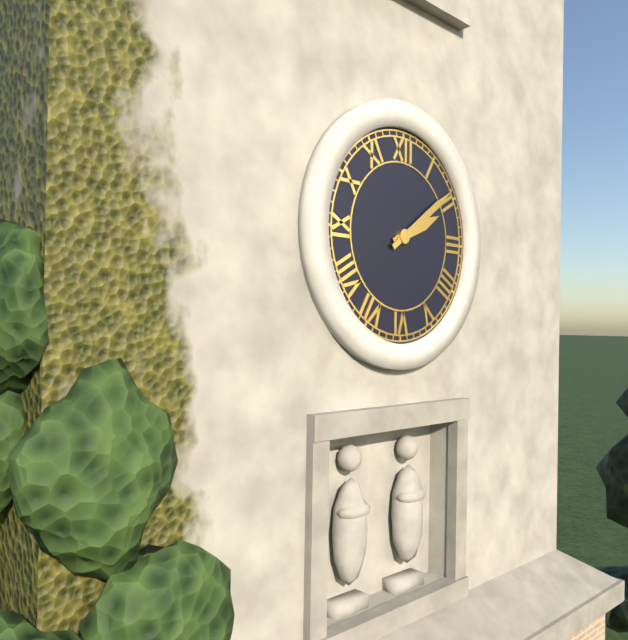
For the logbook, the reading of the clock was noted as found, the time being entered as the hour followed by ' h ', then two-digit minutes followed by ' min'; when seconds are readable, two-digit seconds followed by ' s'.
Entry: 2 h 09 min
